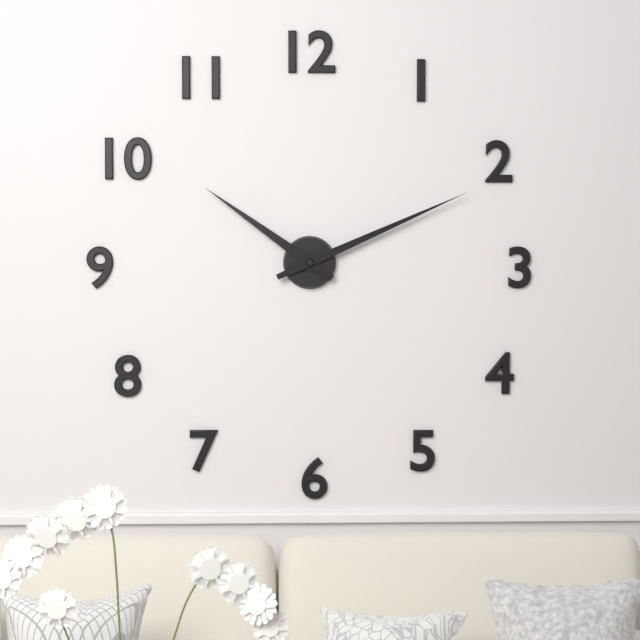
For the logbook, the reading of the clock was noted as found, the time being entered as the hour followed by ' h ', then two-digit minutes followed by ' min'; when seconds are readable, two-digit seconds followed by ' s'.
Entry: 10 h 11 min
